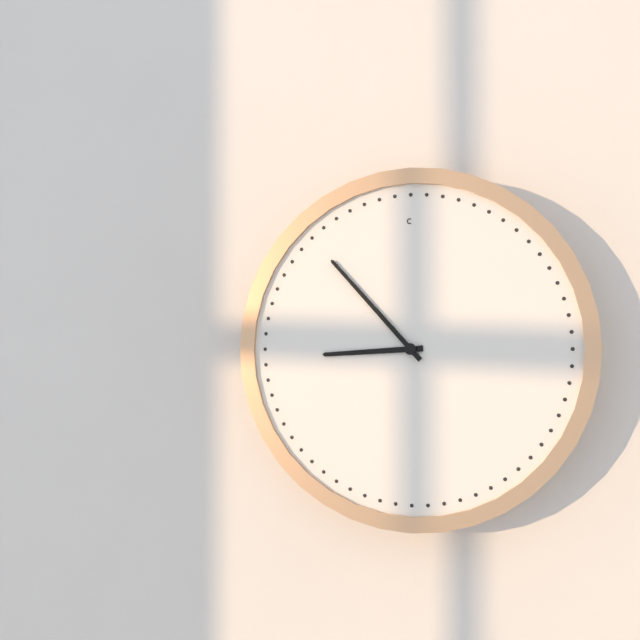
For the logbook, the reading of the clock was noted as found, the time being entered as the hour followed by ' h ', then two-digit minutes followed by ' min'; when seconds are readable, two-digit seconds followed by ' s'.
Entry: 8 h 53 min
